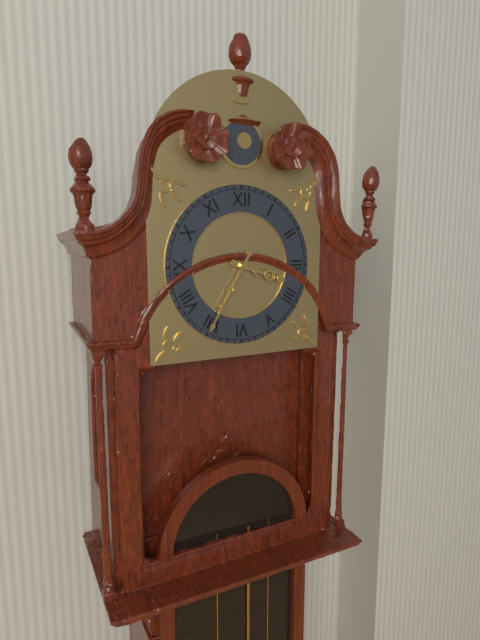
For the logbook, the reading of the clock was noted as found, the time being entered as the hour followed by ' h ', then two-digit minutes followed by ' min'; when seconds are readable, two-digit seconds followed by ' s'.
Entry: 3 h 35 min
